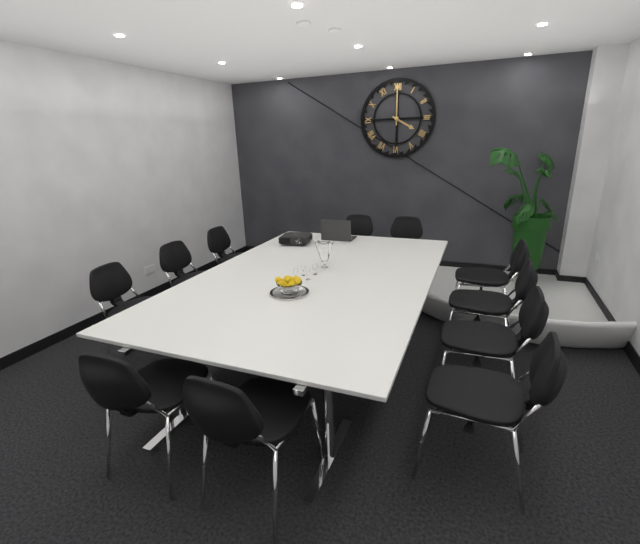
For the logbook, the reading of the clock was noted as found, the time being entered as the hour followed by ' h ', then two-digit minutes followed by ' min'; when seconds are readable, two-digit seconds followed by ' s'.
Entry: 4 h 00 min
